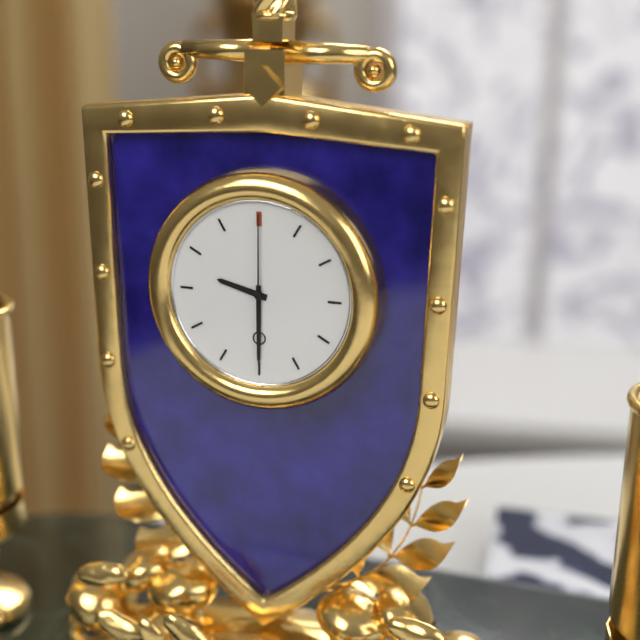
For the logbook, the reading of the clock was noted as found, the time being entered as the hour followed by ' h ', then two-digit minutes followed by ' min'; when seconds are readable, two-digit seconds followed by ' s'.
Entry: 9 h 30 min 00 s
